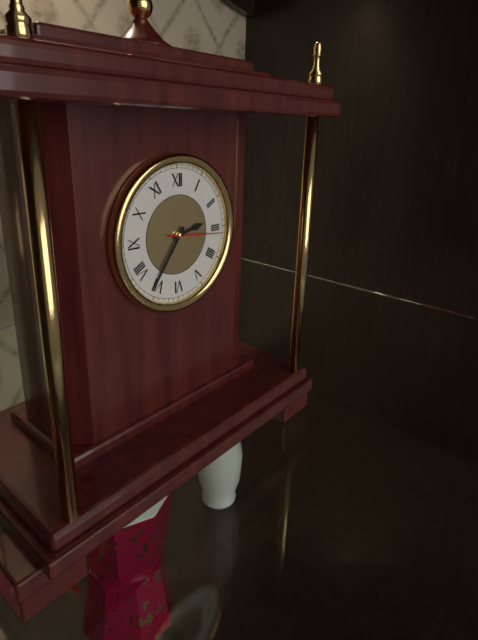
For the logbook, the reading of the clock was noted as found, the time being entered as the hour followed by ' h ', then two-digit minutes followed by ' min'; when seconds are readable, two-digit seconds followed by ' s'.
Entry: 2 h 36 min 16 s
